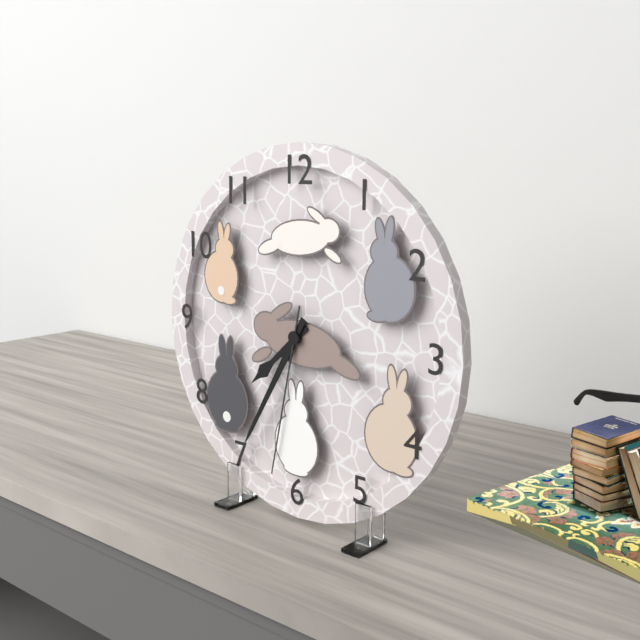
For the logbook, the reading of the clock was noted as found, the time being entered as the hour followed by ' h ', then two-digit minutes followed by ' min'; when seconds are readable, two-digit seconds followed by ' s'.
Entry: 7 h 35 min 32 s
